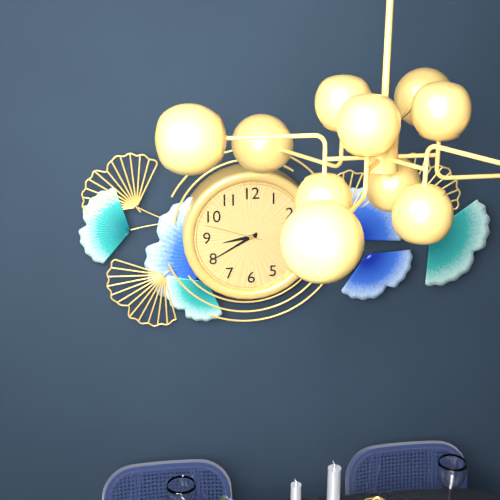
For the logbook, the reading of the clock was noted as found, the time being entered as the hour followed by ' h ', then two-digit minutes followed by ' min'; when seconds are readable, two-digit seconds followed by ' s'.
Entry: 8 h 40 min 48 s
